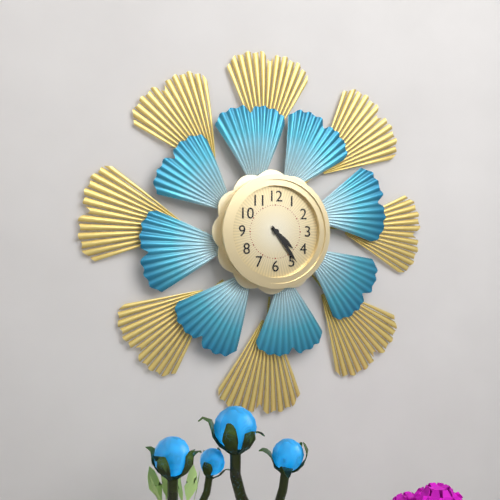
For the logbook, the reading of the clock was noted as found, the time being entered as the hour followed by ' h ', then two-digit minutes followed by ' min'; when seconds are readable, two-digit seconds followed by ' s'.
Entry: 4 h 24 min
